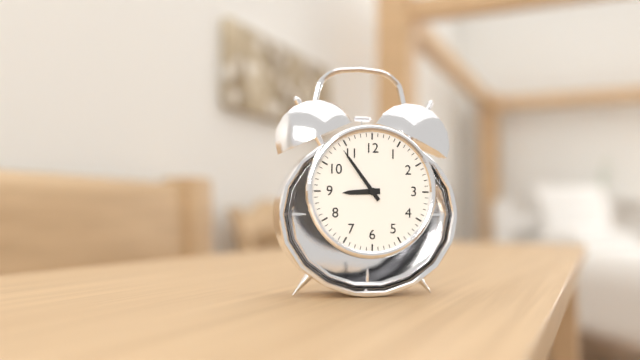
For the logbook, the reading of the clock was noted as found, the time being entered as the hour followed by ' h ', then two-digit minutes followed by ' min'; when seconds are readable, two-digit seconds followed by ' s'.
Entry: 8 h 54 min
